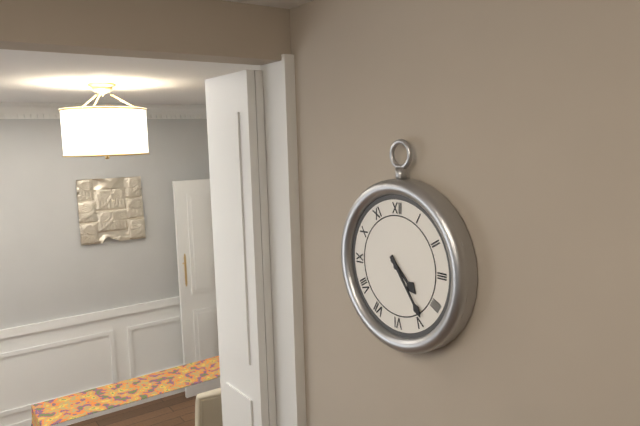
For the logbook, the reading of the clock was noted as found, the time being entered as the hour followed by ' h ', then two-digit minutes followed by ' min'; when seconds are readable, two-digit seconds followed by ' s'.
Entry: 4 h 24 min
